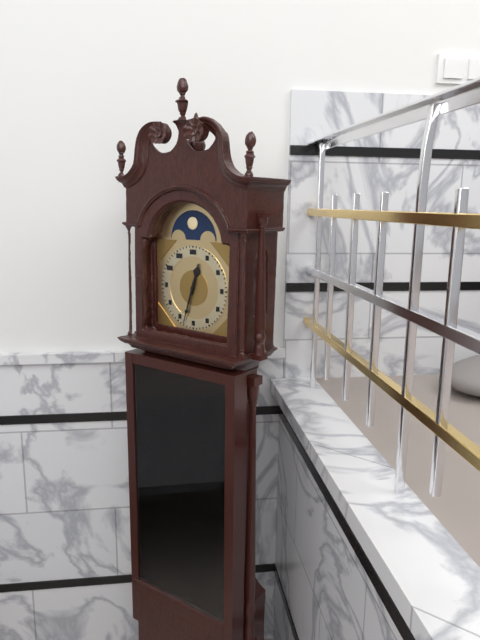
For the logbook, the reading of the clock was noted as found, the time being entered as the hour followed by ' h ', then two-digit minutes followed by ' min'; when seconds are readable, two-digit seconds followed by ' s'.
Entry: 12 h 33 min
